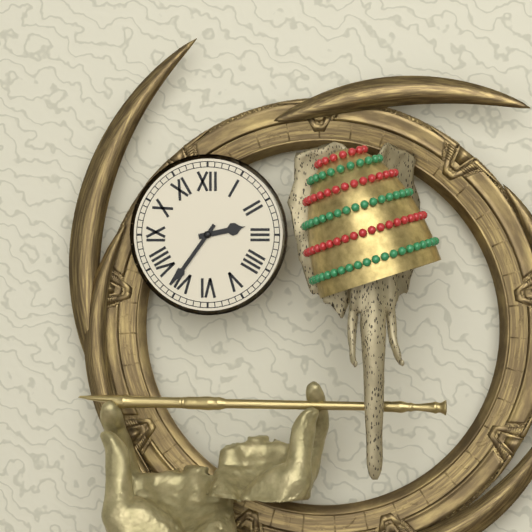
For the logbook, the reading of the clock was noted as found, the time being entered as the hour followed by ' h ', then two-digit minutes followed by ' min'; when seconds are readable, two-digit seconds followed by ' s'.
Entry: 2 h 36 min
